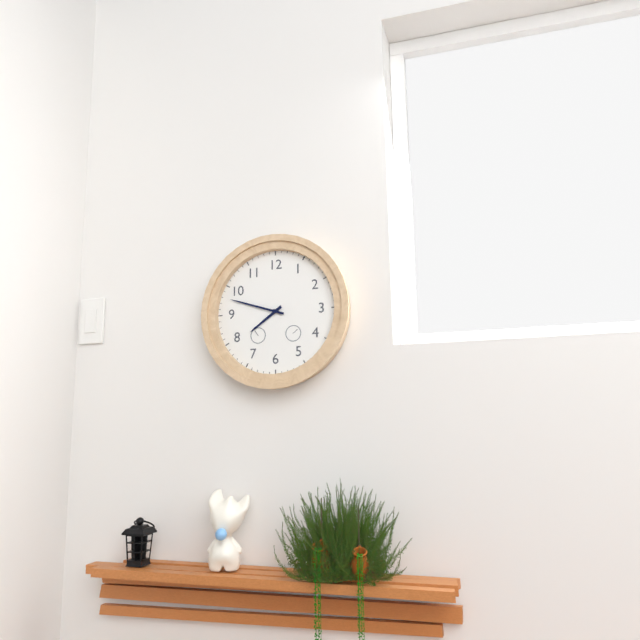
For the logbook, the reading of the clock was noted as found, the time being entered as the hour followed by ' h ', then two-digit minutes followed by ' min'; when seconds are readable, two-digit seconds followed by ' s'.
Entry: 7 h 48 min
